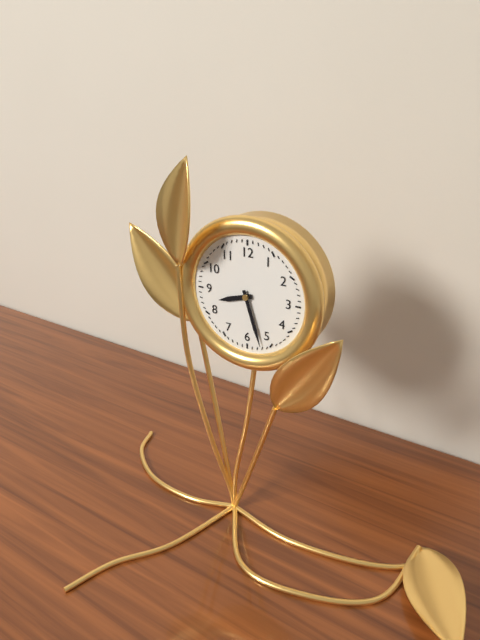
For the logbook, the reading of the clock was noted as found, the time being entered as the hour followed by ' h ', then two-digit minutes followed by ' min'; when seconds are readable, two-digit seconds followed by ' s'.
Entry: 8 h 27 min
